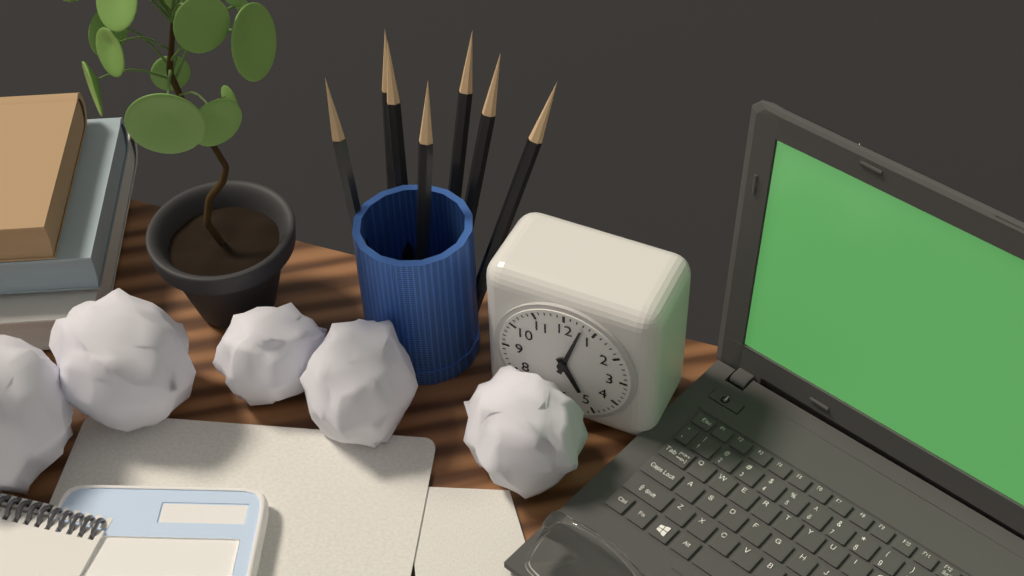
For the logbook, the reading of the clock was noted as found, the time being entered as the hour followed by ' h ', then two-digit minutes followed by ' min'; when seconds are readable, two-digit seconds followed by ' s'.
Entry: 5 h 03 min
